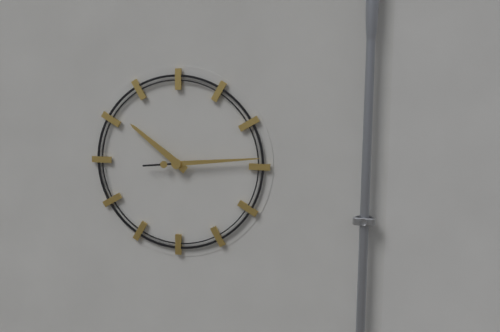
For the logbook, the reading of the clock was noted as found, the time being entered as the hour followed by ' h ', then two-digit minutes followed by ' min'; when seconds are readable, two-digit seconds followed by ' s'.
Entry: 10 h 14 min
